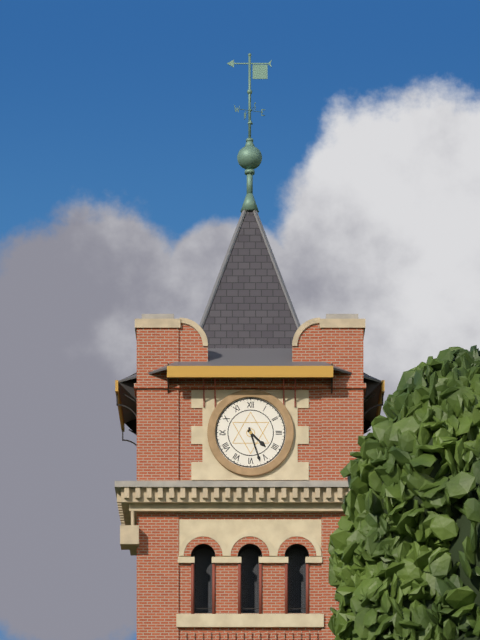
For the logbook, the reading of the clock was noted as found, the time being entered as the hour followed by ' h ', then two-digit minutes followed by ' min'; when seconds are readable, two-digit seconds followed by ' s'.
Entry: 4 h 27 min
